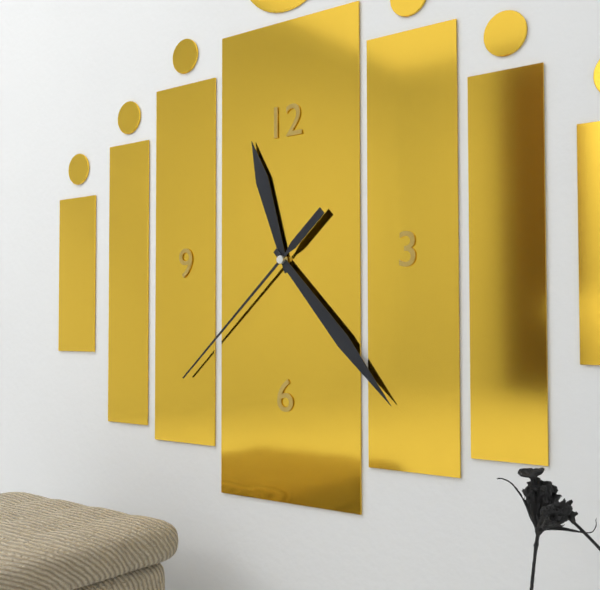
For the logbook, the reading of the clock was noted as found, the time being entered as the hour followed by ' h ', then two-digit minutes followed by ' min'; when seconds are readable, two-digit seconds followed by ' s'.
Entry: 11 h 23 min 38 s
